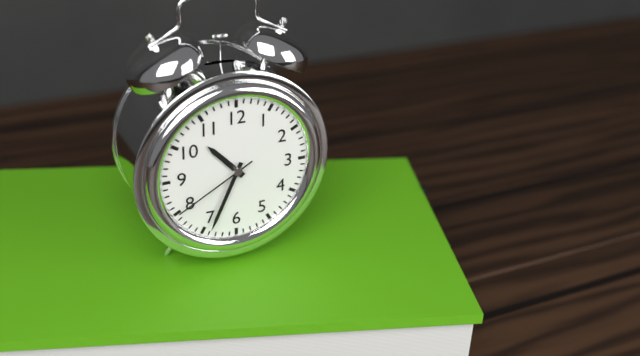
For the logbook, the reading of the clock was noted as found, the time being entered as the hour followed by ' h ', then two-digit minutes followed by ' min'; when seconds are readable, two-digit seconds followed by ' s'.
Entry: 10 h 34 min 40 s
